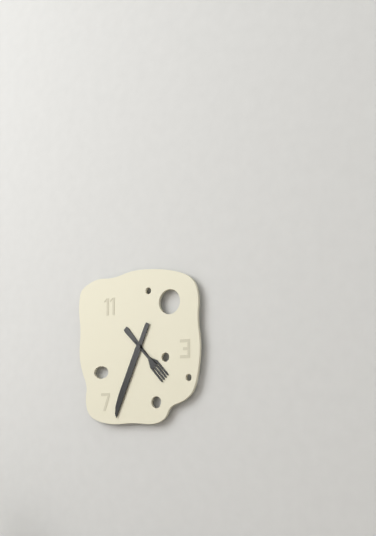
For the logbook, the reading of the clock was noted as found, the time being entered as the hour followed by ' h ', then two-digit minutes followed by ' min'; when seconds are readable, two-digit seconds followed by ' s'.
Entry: 4 h 34 min
